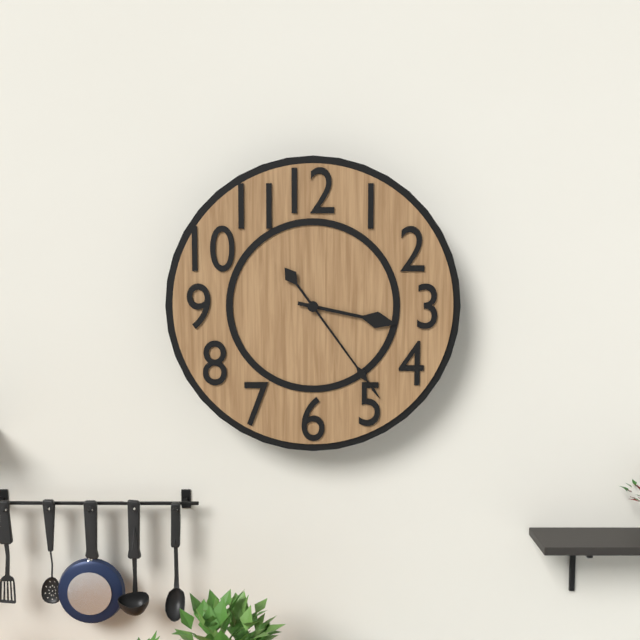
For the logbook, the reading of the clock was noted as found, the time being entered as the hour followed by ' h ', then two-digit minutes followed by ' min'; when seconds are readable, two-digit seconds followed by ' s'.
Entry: 3 h 24 min
